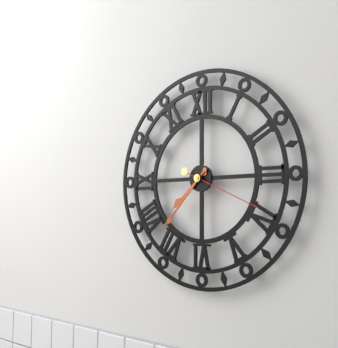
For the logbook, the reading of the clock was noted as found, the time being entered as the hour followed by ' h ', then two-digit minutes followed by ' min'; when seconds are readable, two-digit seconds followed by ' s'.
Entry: 7 h 37 min 19 s
